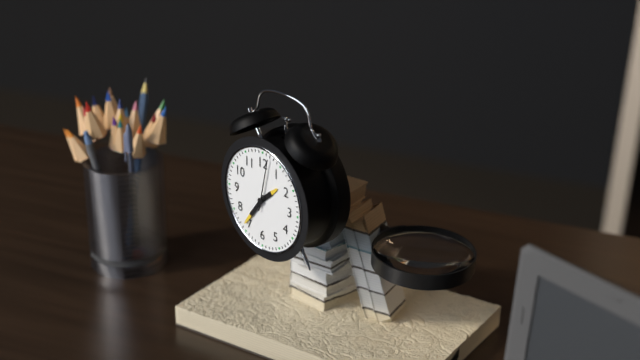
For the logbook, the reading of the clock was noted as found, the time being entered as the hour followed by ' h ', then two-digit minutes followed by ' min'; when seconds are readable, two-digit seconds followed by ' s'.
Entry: 1 h 36 min 02 s
